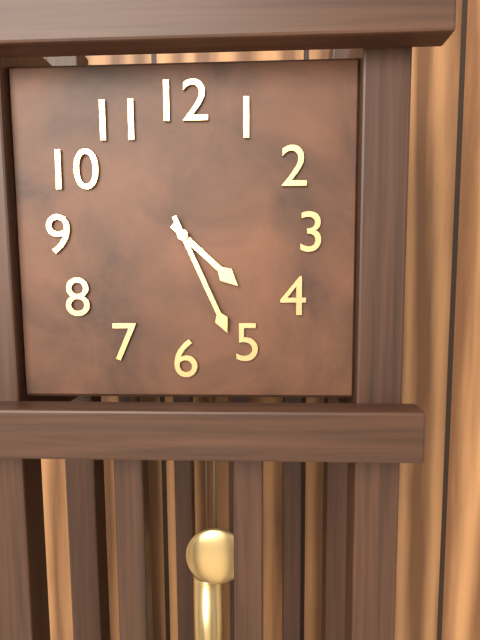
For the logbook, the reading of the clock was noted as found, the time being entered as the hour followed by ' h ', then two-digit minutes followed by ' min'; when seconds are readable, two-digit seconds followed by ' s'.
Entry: 4 h 26 min
